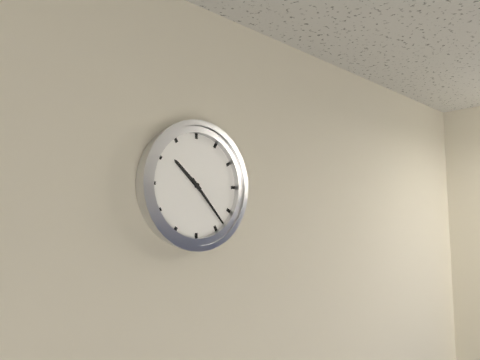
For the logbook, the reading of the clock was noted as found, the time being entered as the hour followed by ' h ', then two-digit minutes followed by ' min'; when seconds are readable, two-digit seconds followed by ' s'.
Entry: 10 h 23 min
